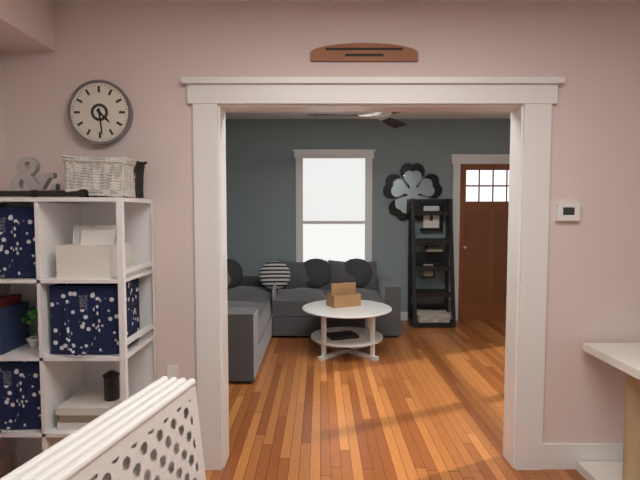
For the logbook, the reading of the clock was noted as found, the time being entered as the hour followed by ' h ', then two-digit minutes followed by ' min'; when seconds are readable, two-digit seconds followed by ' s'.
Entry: 4 h 29 min
